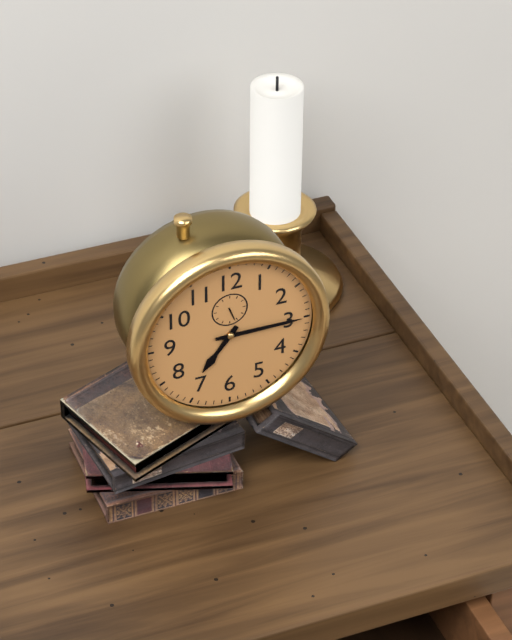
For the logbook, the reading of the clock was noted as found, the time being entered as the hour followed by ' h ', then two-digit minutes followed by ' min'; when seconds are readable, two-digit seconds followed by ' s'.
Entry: 7 h 15 min
